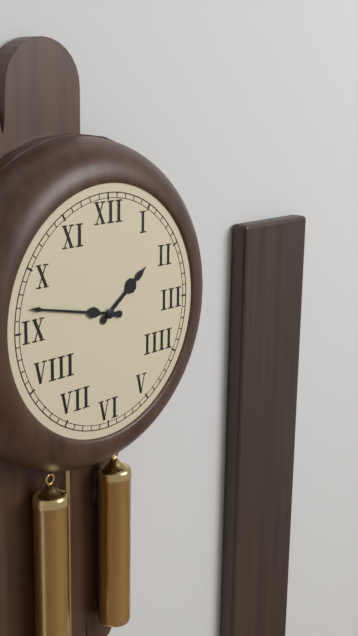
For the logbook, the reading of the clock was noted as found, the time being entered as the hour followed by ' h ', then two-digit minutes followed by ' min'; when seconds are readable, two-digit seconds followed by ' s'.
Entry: 1 h 47 min
